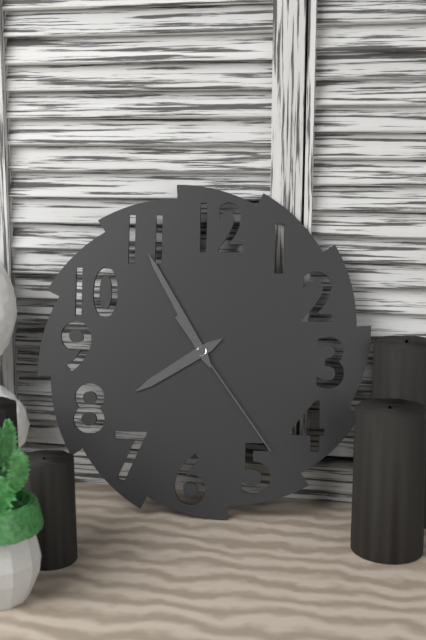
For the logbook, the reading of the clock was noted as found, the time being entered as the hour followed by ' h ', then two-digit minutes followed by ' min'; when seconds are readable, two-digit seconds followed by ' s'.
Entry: 7 h 55 min 24 s
